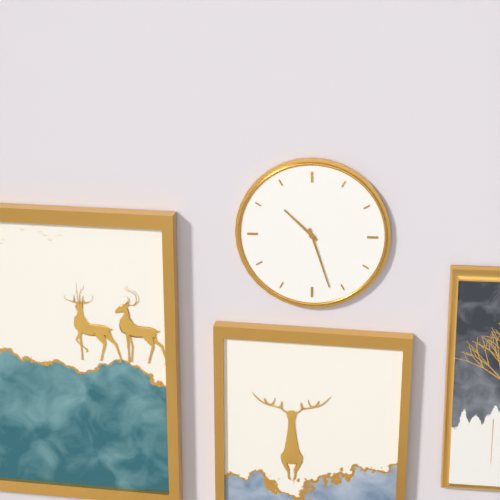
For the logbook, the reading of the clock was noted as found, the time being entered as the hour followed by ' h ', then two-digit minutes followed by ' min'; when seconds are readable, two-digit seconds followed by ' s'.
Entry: 10 h 27 min
